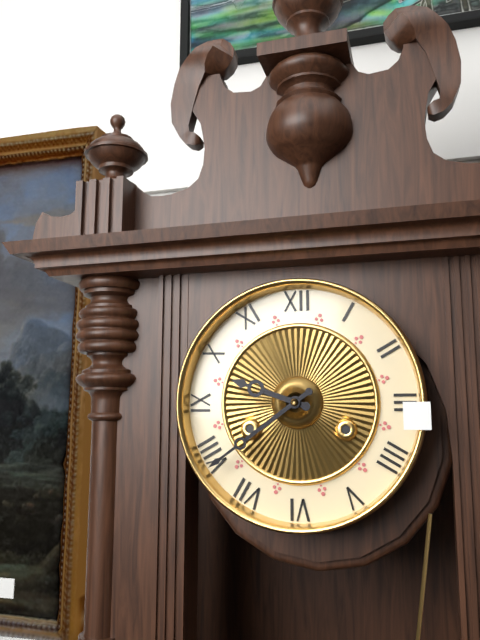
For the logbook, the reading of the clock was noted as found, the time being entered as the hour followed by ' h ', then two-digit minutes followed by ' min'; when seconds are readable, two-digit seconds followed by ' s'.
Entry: 9 h 39 min
